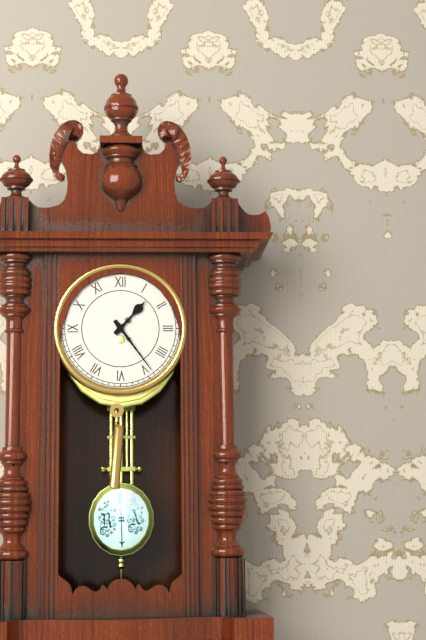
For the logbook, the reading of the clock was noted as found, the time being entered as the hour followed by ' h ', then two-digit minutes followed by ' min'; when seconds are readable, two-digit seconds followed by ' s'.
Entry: 1 h 24 min
